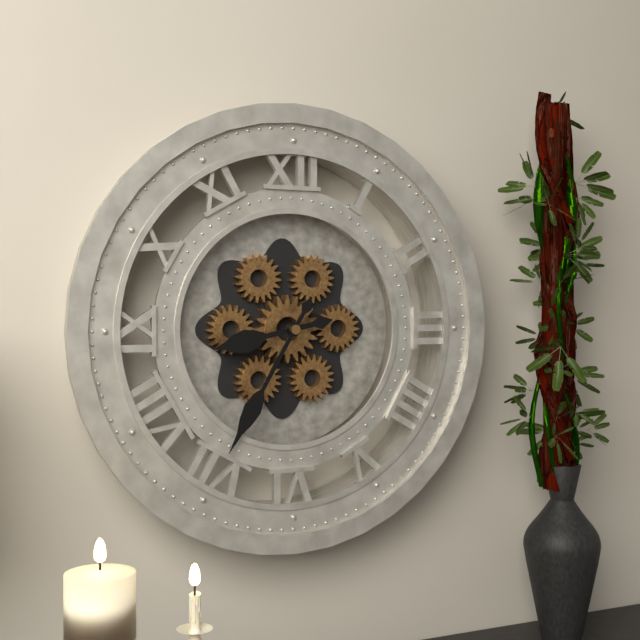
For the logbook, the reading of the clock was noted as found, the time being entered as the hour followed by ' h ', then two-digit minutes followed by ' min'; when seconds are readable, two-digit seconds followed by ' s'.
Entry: 8 h 35 min
